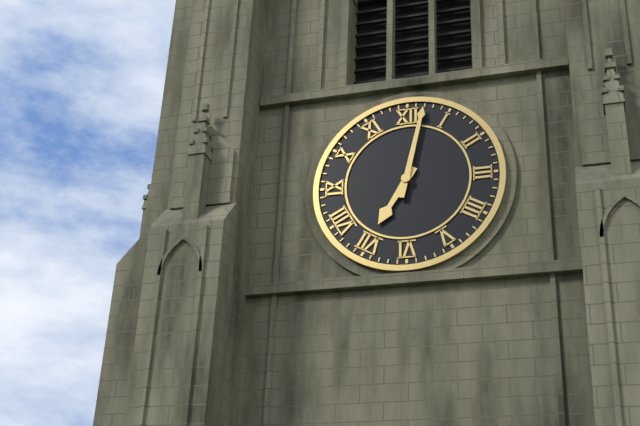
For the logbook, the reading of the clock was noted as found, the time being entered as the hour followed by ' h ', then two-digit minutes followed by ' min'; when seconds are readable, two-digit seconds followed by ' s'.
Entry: 7 h 02 min
